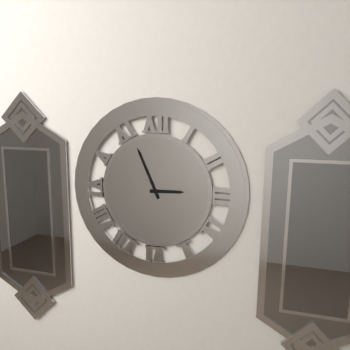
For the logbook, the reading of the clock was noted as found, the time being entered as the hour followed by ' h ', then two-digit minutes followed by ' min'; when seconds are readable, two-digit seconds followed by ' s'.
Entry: 2 h 56 min
